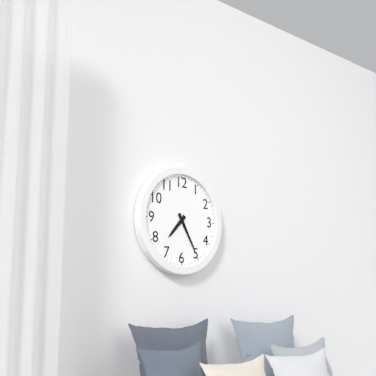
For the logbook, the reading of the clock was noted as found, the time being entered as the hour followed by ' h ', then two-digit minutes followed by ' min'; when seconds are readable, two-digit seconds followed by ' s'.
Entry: 7 h 25 min
